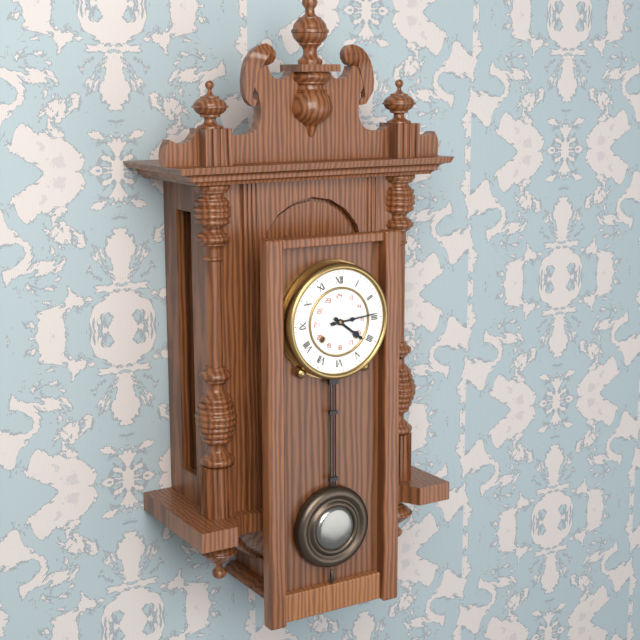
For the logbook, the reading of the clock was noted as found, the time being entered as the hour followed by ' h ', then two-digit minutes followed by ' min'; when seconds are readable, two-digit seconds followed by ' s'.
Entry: 4 h 14 min
